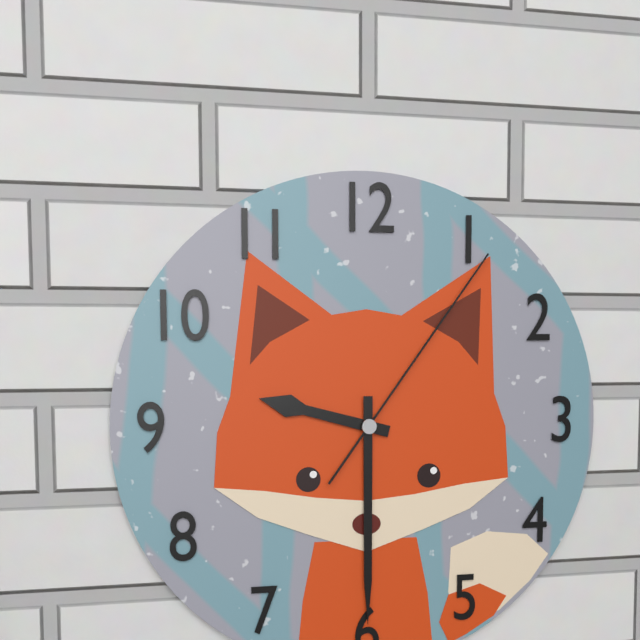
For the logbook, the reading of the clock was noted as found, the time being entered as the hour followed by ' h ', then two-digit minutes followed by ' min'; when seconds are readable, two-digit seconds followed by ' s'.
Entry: 9 h 30 min 06 s
